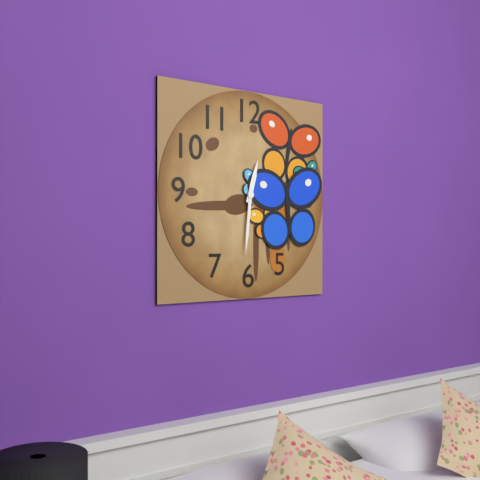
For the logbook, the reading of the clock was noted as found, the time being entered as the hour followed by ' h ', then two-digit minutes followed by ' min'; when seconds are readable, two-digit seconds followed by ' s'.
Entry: 12 h 31 min
